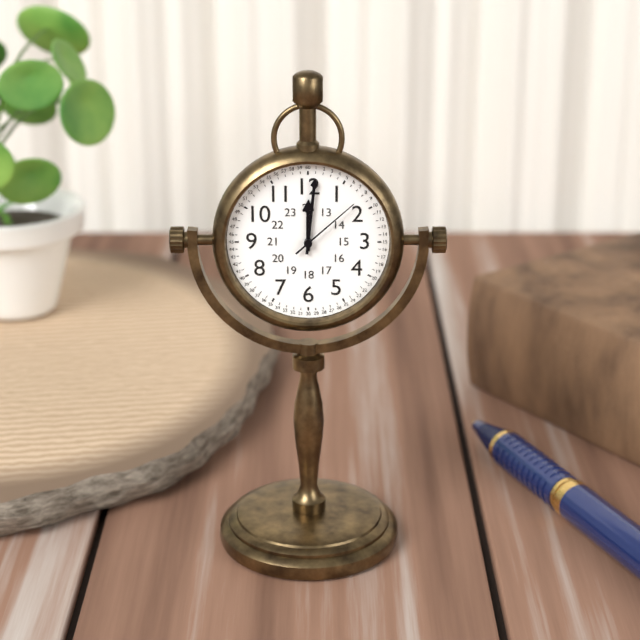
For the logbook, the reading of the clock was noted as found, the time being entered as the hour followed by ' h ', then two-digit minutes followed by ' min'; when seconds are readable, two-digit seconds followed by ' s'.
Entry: 12 h 01 min 08 s
